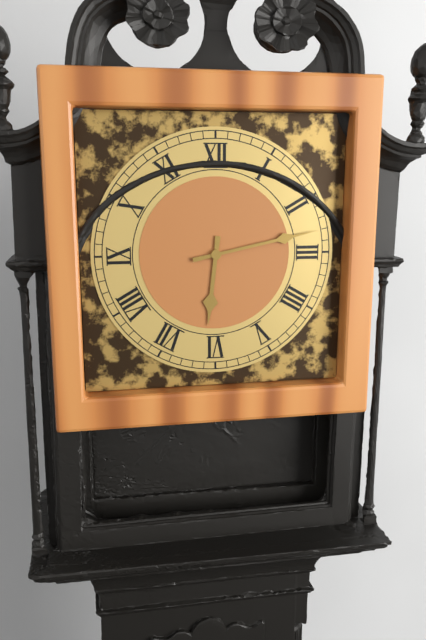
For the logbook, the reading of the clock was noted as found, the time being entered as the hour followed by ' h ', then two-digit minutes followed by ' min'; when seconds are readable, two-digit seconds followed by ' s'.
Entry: 6 h 13 min
